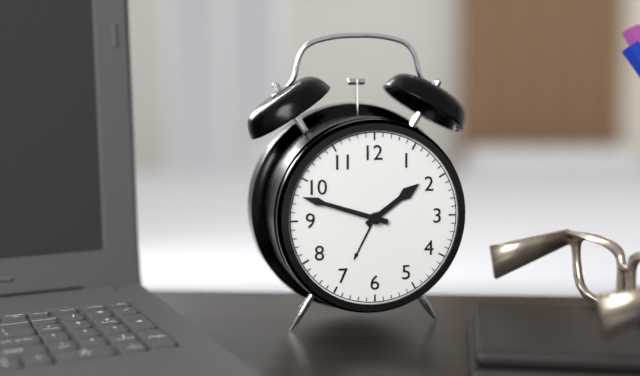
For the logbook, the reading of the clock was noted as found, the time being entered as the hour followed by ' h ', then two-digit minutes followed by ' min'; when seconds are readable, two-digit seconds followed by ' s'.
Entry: 1 h 48 min
